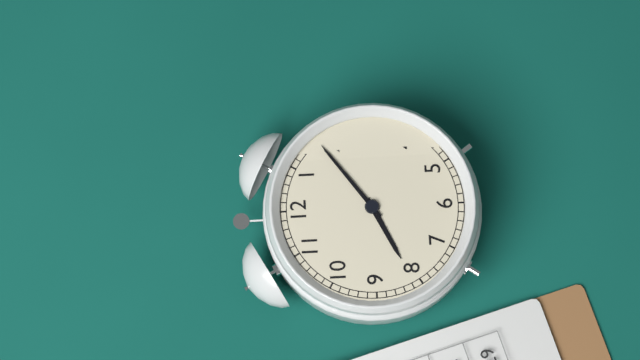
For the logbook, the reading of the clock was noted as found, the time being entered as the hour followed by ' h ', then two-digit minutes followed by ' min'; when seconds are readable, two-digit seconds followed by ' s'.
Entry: 8 h 09 min
